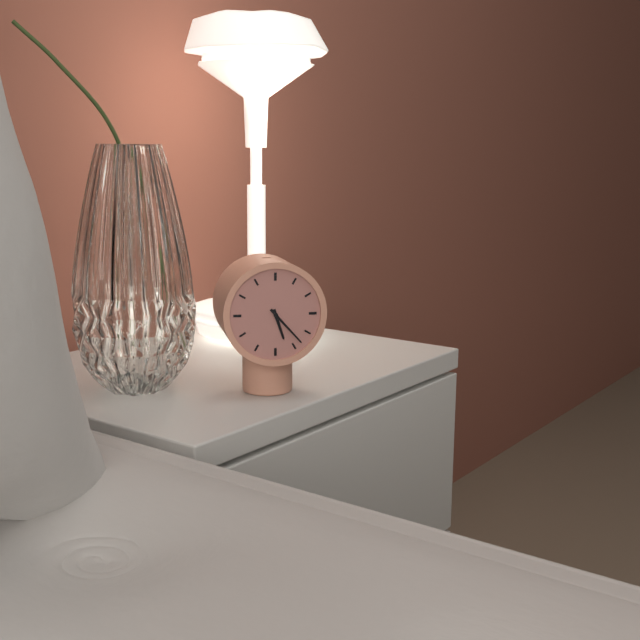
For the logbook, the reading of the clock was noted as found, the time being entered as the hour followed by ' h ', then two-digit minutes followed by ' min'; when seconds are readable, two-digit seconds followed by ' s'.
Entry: 5 h 23 min
